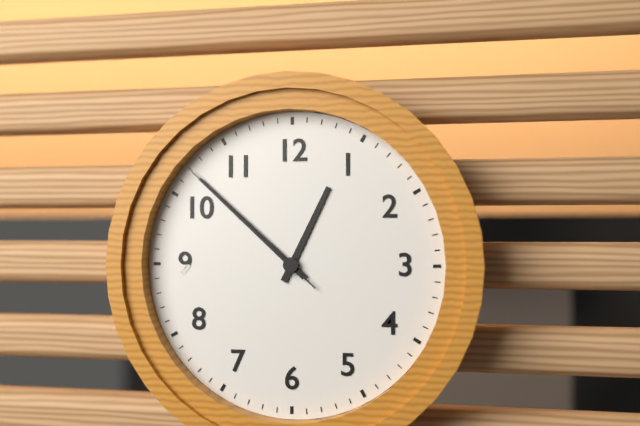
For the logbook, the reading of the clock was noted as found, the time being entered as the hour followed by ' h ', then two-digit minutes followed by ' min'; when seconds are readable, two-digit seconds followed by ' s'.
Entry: 12 h 52 min 52 s
